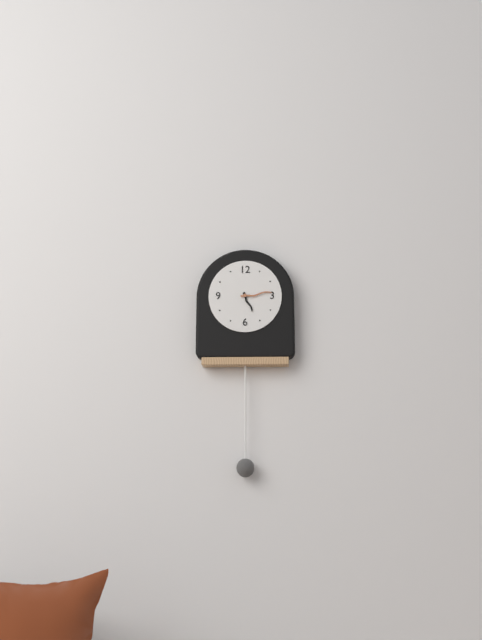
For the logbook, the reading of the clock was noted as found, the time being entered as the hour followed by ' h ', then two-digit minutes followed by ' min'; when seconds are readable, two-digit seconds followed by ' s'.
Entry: 5 h 14 min
